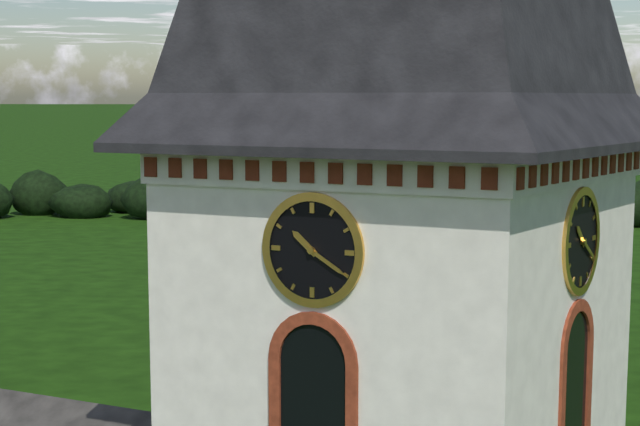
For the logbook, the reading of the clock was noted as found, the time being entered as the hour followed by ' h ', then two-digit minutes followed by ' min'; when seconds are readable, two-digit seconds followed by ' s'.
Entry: 10 h 20 min
